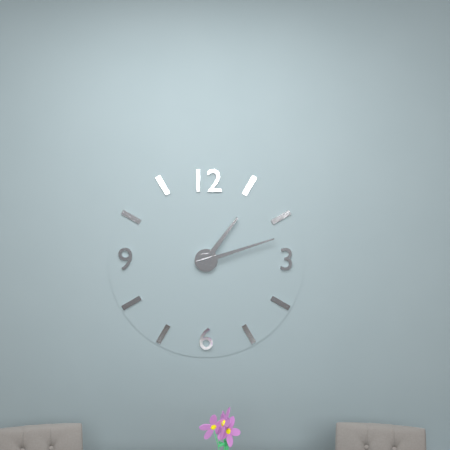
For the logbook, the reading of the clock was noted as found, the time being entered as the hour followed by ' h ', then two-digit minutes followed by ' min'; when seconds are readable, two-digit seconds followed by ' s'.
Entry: 1 h 12 min
